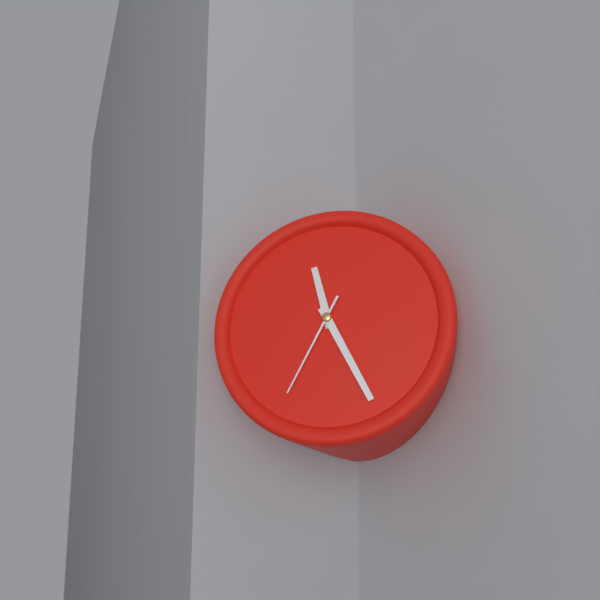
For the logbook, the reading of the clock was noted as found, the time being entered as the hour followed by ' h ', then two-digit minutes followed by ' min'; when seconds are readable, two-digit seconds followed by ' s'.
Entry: 11 h 25 min 34 s
